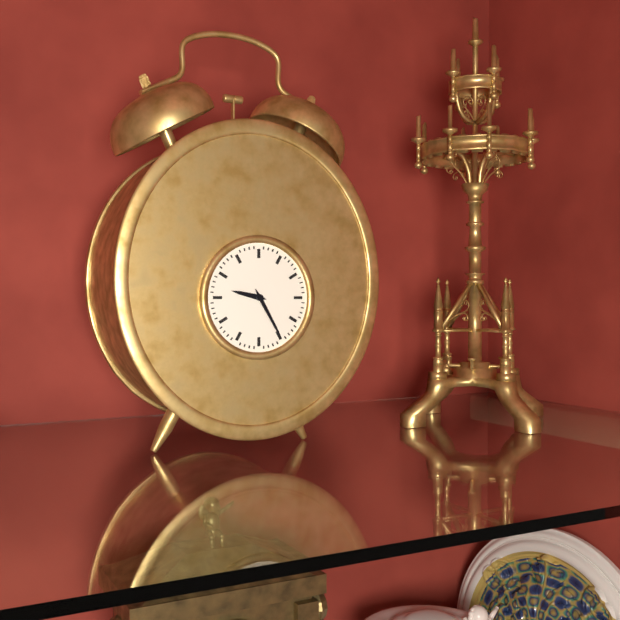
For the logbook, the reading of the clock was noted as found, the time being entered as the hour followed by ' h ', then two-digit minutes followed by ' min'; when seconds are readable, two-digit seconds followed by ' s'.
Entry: 9 h 25 min
